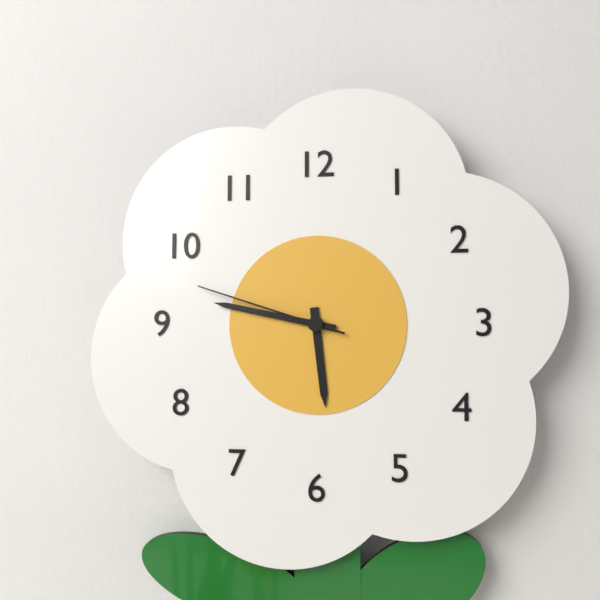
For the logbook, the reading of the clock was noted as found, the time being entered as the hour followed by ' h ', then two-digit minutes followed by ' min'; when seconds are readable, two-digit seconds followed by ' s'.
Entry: 5 h 47 min 48 s
